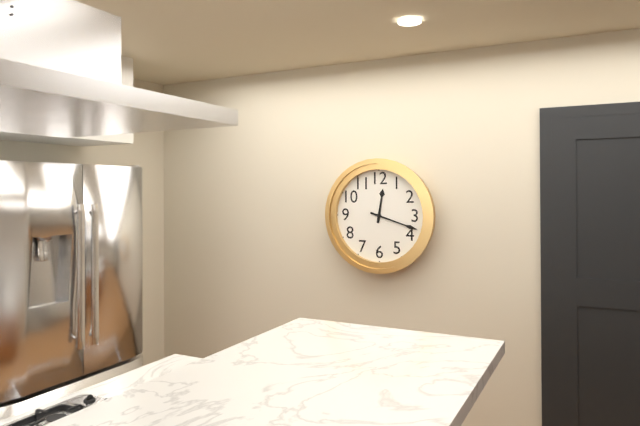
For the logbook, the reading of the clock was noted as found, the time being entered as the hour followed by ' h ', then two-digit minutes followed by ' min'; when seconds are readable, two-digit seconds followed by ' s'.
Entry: 12 h 18 min
